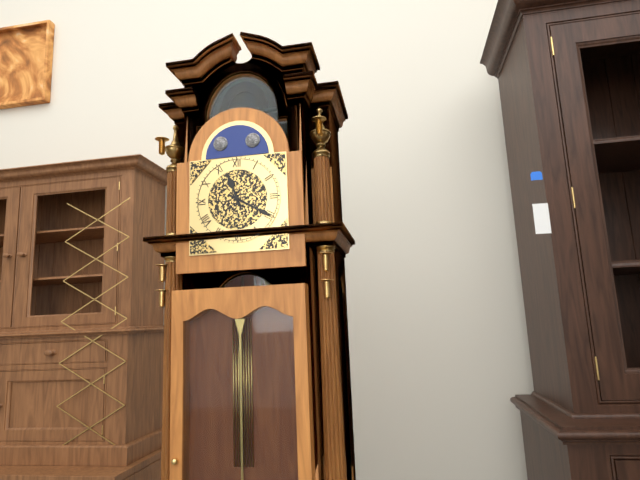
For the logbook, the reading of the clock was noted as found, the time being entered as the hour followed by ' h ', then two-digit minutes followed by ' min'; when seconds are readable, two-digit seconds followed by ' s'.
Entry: 11 h 20 min
